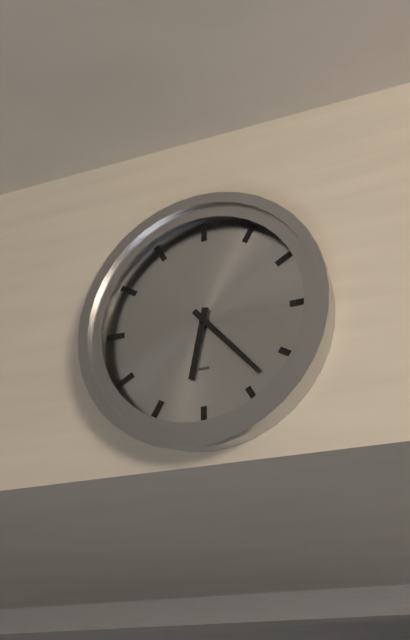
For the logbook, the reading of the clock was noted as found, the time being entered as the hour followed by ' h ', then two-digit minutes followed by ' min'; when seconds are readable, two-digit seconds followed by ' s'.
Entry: 6 h 23 min
